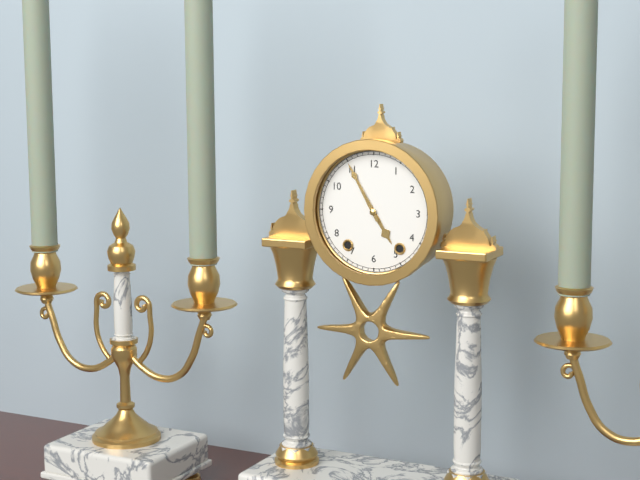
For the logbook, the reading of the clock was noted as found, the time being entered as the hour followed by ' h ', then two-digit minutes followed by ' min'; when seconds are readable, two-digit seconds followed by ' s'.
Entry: 4 h 55 min
